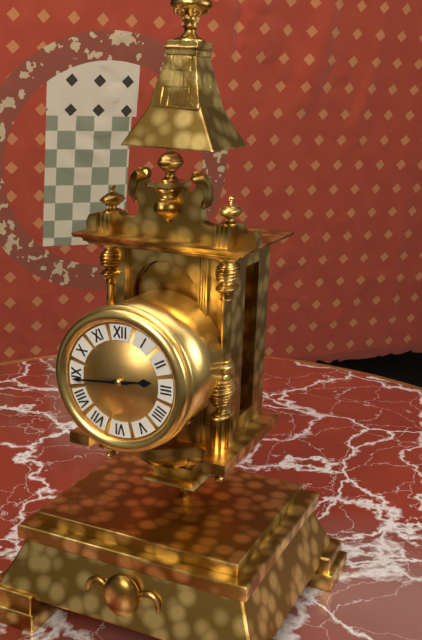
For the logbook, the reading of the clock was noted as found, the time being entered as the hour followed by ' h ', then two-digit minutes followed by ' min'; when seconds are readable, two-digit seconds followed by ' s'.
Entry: 2 h 44 min
